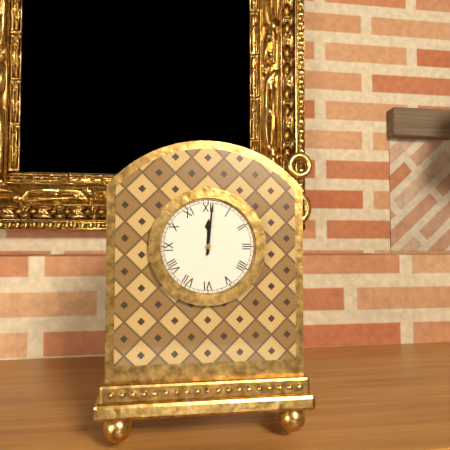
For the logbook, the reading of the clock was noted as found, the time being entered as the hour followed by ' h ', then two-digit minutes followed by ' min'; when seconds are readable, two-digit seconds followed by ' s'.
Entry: 12 h 01 min
